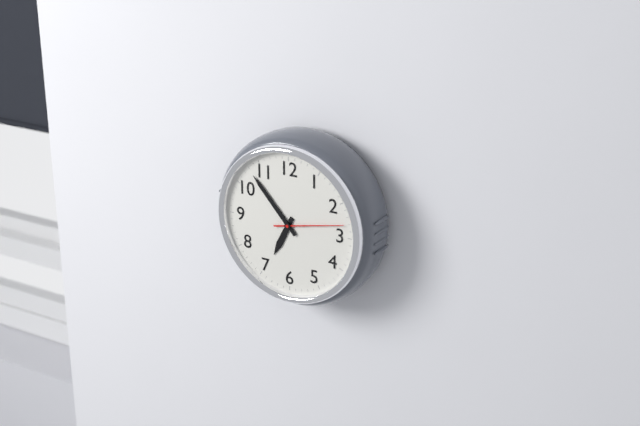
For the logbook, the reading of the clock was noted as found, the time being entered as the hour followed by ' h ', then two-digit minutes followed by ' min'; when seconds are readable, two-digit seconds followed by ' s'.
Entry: 6 h 53 min
